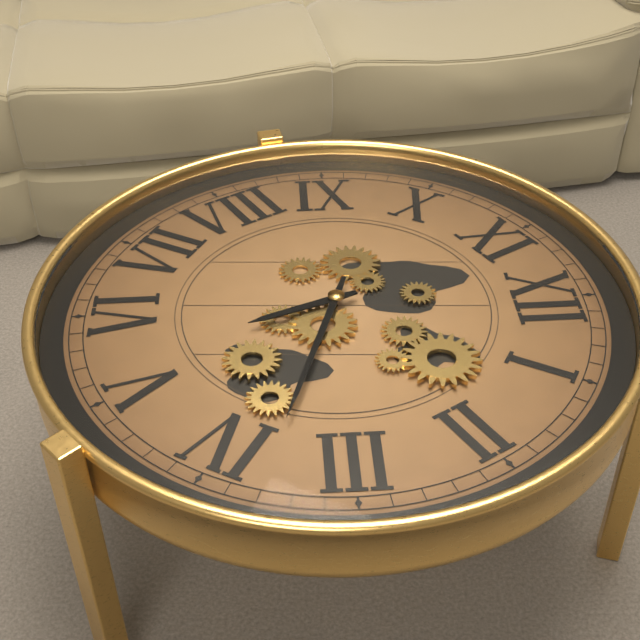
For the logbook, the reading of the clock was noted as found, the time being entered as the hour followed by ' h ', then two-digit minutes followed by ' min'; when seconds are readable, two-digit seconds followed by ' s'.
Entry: 5 h 18 min
